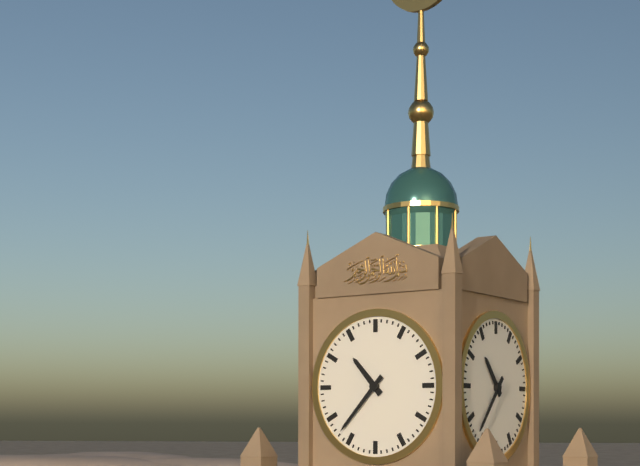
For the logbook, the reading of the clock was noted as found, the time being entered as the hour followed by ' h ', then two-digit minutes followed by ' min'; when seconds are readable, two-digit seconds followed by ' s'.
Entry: 10 h 37 min
